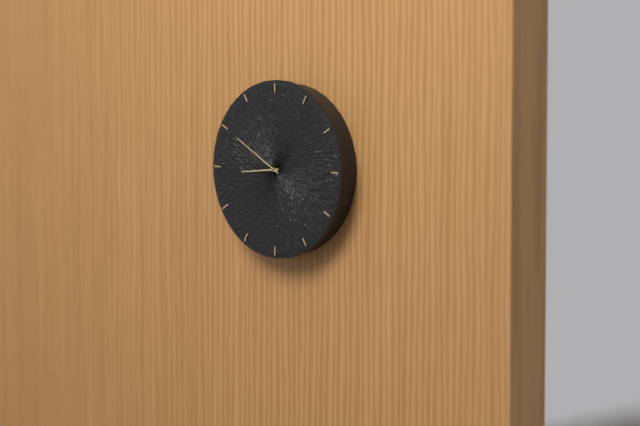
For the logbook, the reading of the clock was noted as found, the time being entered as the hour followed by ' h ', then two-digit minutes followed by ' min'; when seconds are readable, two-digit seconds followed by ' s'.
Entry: 8 h 50 min
